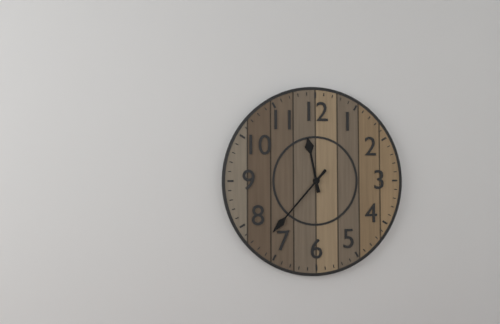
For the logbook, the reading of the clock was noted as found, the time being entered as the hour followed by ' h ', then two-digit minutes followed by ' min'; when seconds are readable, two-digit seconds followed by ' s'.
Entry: 11 h 37 min
